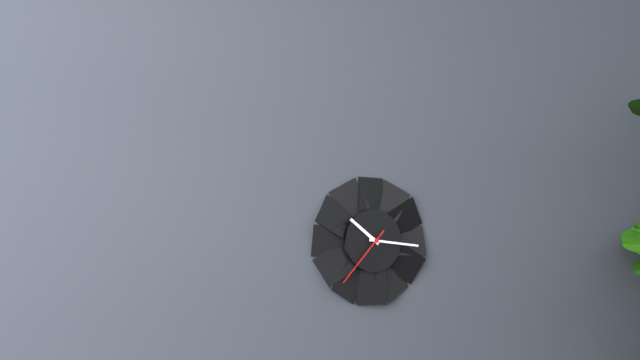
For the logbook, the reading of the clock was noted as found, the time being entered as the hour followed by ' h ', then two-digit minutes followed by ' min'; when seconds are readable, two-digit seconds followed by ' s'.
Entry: 10 h 16 min 37 s
